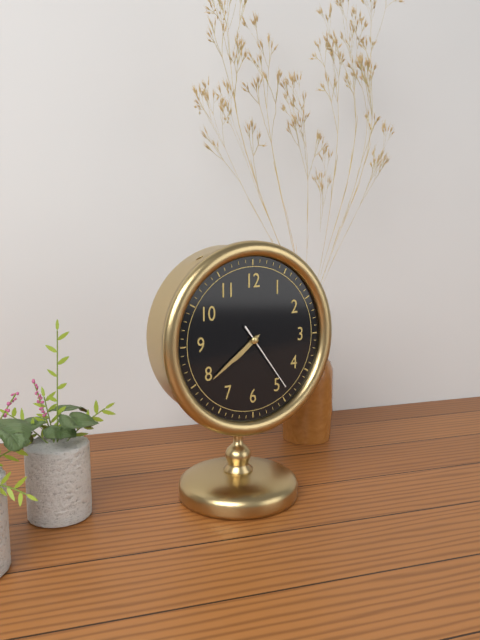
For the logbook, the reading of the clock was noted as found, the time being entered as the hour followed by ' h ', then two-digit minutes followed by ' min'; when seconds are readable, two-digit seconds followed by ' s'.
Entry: 7 h 39 min 24 s
